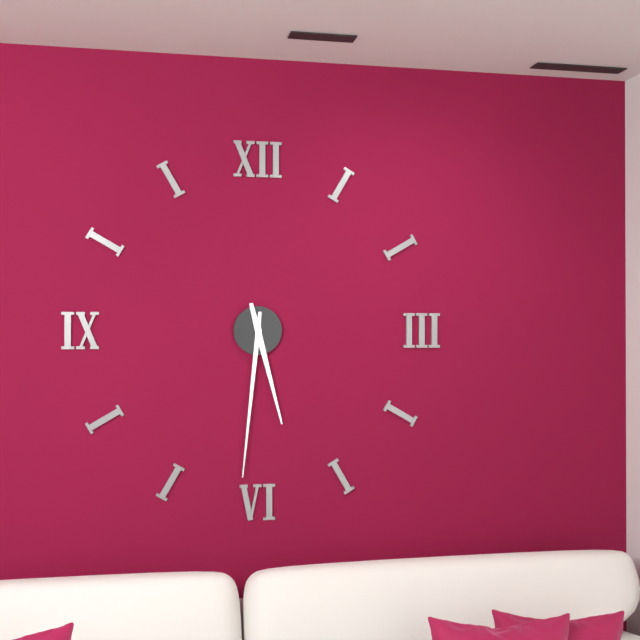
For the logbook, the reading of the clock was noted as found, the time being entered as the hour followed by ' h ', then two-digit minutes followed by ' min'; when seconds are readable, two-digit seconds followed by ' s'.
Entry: 5 h 31 min
